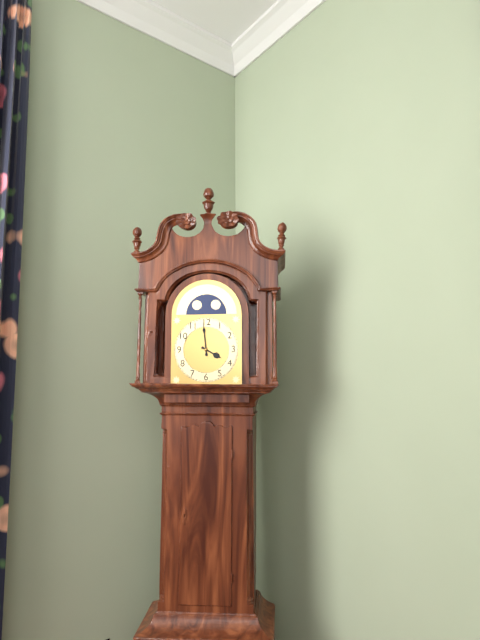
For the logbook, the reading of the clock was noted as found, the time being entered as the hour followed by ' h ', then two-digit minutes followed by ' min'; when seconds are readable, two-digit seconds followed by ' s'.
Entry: 3 h 59 min
